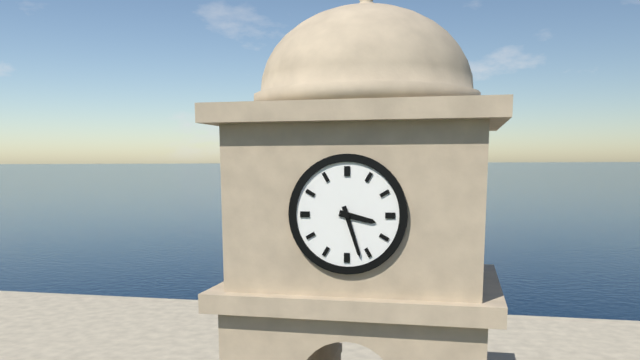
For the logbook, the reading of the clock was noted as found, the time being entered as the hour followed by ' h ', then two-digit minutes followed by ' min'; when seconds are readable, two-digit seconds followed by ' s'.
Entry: 3 h 27 min
